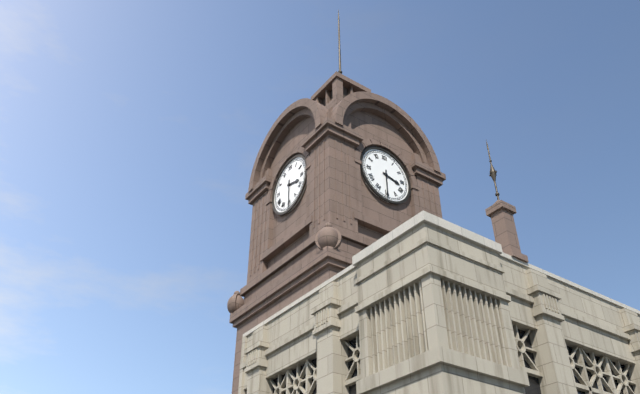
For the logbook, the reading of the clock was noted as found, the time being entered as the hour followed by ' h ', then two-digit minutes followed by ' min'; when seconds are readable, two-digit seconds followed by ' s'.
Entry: 3 h 30 min
